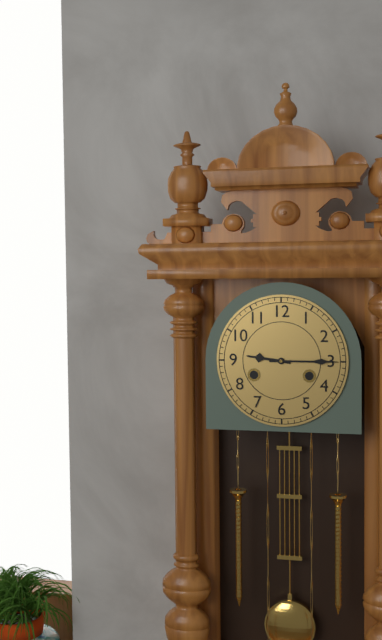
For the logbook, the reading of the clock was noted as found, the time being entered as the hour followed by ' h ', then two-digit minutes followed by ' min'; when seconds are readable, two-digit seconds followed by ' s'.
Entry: 9 h 15 min
